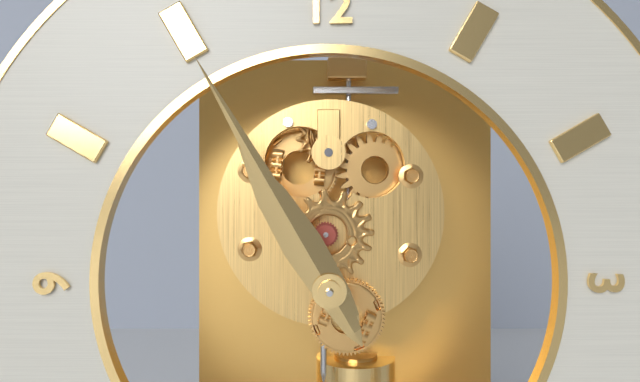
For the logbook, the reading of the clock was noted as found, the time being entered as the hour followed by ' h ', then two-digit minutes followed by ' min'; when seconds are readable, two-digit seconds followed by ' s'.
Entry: 10 h 55 min
